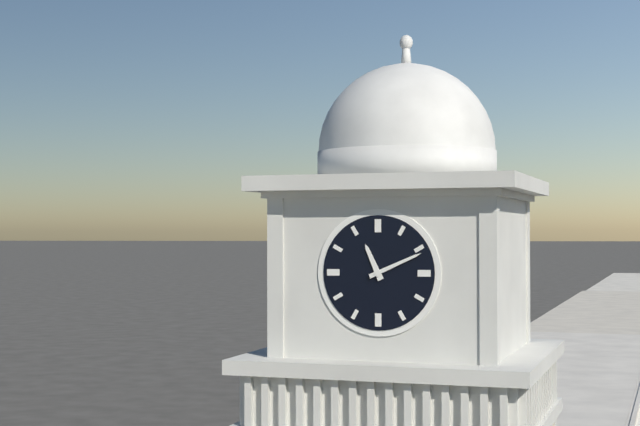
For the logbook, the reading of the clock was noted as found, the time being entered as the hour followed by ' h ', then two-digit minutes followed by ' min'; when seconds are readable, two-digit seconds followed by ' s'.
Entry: 11 h 11 min
